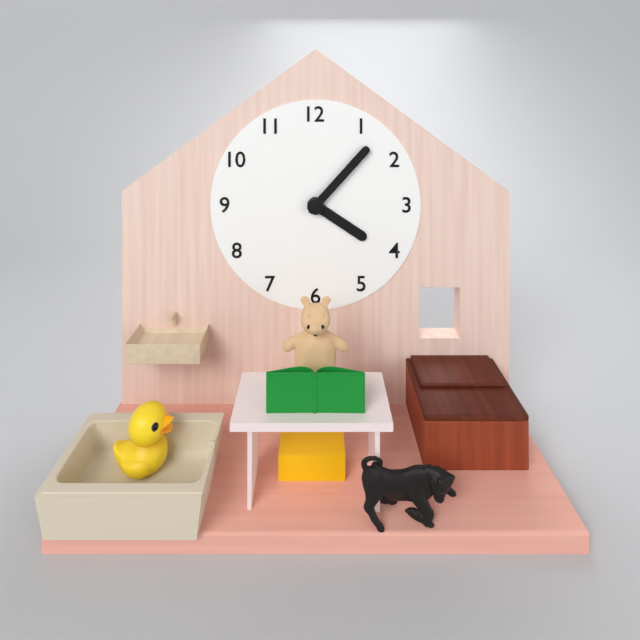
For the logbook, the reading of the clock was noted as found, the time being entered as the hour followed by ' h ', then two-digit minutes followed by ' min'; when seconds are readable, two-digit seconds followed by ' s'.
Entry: 4 h 07 min
